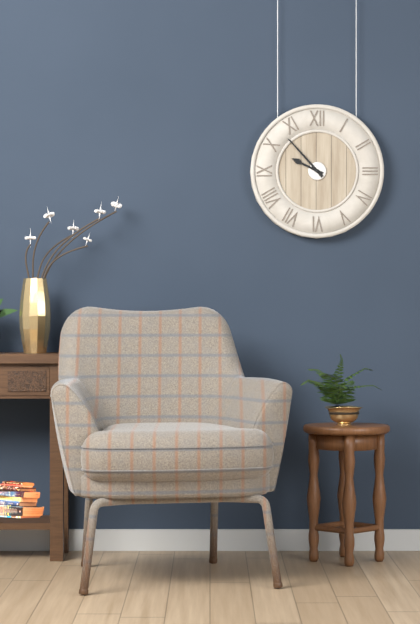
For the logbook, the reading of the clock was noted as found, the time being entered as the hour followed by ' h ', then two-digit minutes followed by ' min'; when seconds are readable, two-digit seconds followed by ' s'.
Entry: 9 h 53 min
